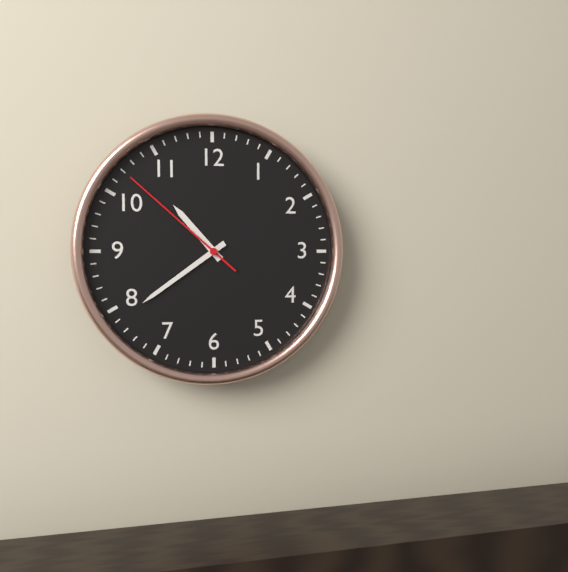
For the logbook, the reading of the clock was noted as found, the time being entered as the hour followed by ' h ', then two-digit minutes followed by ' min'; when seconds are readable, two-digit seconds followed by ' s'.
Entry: 10 h 39 min 52 s
